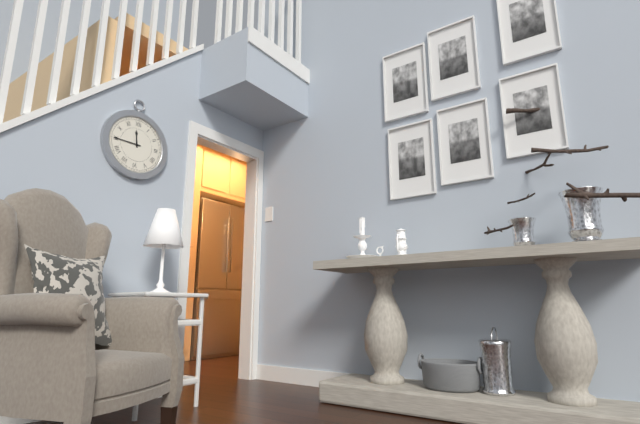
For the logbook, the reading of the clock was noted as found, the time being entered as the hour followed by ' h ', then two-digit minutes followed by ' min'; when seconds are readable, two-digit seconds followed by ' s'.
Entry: 11 h 45 min
